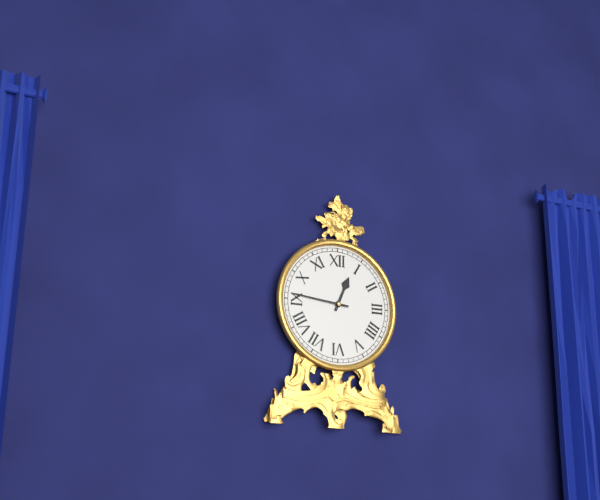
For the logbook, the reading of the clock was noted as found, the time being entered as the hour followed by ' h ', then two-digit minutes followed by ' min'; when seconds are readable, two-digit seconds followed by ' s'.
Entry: 12 h 46 min
